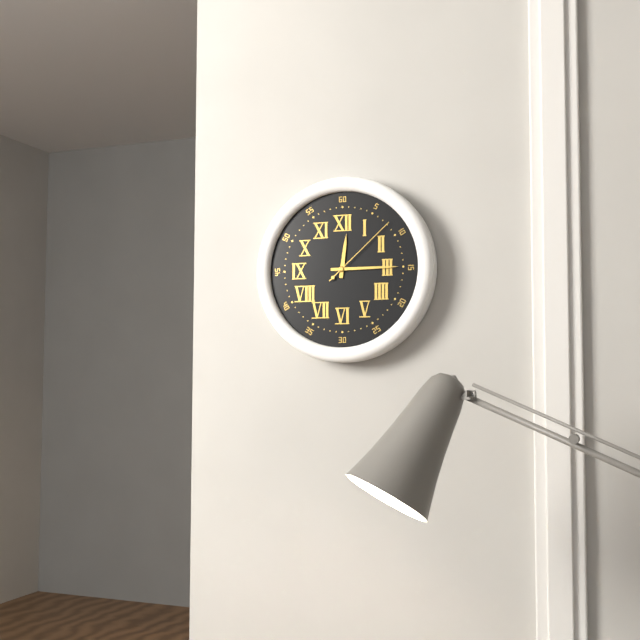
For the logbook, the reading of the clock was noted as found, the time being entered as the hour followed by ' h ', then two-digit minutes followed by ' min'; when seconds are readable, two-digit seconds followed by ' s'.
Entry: 12 h 15 min 08 s
